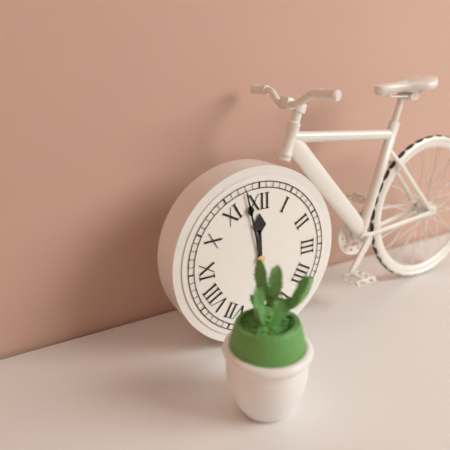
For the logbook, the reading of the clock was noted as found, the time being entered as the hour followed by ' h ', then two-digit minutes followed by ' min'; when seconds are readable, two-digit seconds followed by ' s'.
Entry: 11 h 58 min
